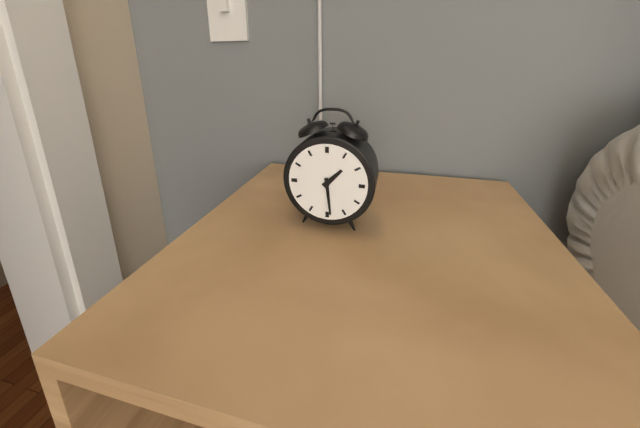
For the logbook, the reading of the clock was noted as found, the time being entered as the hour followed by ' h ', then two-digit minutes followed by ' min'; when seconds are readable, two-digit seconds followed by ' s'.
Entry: 1 h 29 min
